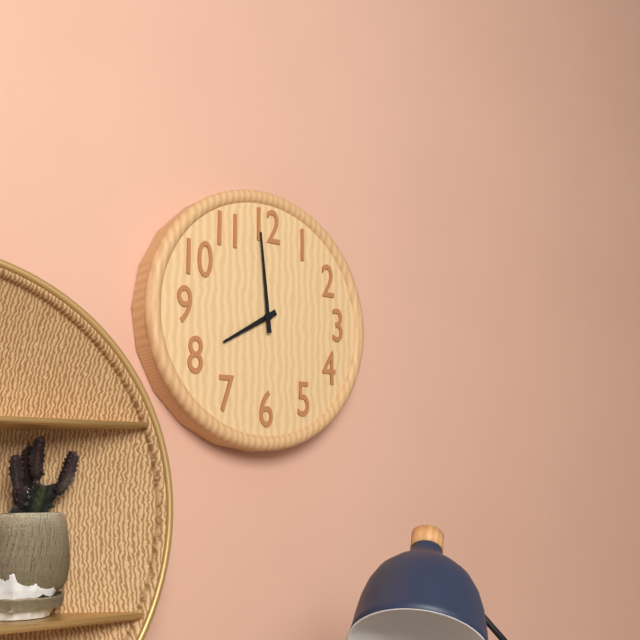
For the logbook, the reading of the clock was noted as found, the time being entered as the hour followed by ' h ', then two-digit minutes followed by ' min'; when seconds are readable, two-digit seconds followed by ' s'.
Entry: 7 h 59 min
